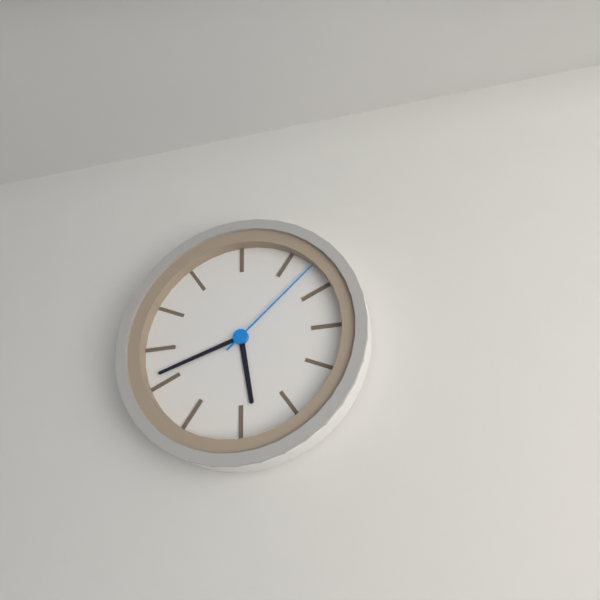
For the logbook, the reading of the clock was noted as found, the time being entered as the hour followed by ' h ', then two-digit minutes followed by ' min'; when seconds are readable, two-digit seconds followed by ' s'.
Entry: 5 h 42 min 08 s
